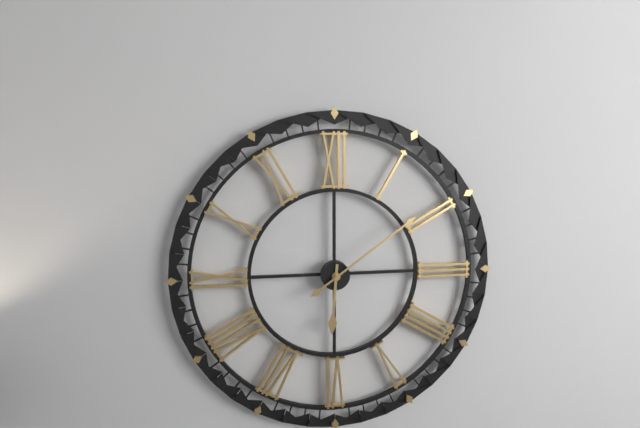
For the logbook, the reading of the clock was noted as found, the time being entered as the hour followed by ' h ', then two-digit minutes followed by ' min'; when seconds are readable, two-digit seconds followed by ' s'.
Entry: 6 h 09 min
